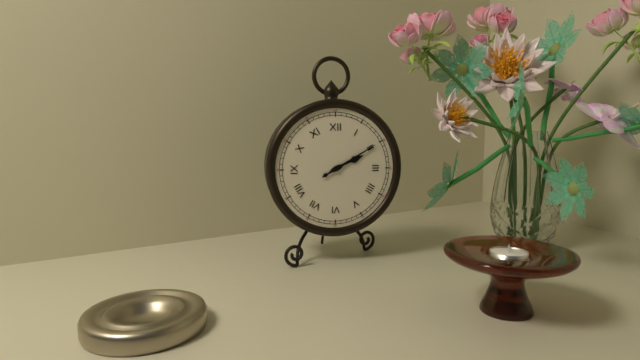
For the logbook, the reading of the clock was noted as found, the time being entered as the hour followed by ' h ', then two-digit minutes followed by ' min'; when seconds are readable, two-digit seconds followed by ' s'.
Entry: 2 h 10 min
